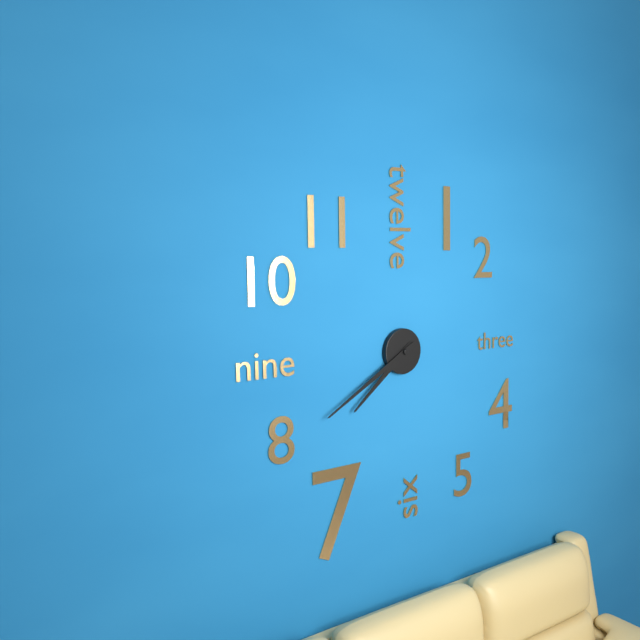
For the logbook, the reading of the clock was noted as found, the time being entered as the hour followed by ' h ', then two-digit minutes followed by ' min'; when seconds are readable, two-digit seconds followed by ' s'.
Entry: 7 h 40 min
